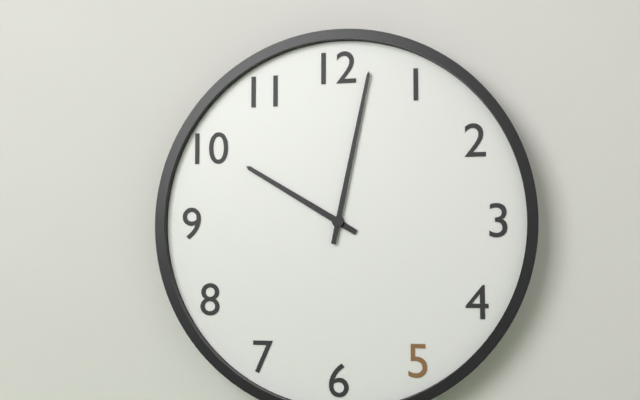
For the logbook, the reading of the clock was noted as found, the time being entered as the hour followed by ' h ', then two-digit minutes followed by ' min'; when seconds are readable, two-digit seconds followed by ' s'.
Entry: 10 h 02 min
